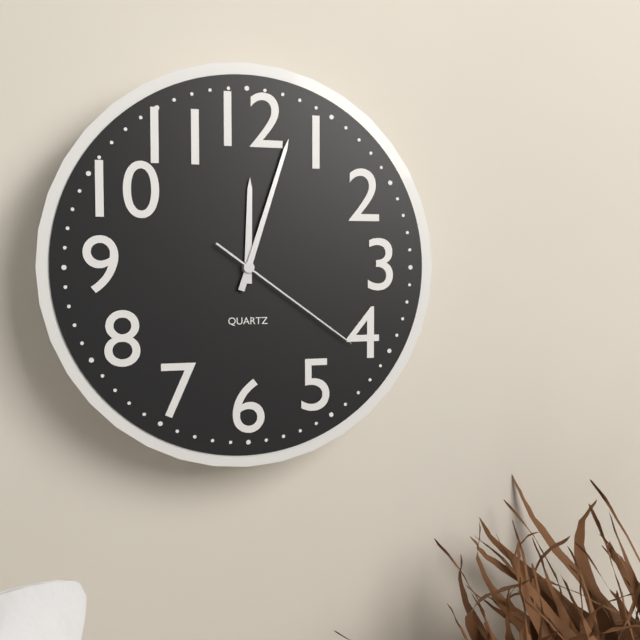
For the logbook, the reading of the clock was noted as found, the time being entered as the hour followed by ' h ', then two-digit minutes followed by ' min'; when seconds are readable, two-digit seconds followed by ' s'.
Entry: 12 h 03 min 21 s
